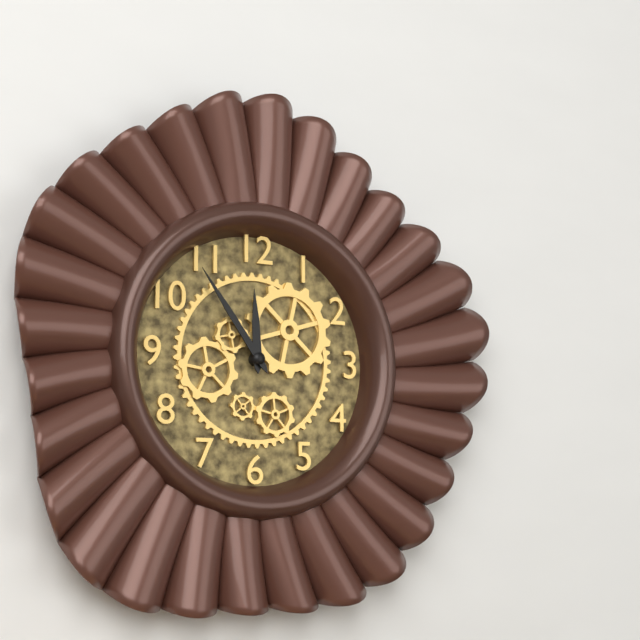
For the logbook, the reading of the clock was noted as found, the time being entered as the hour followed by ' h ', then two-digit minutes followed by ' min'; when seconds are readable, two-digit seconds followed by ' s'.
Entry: 11 h 54 min
